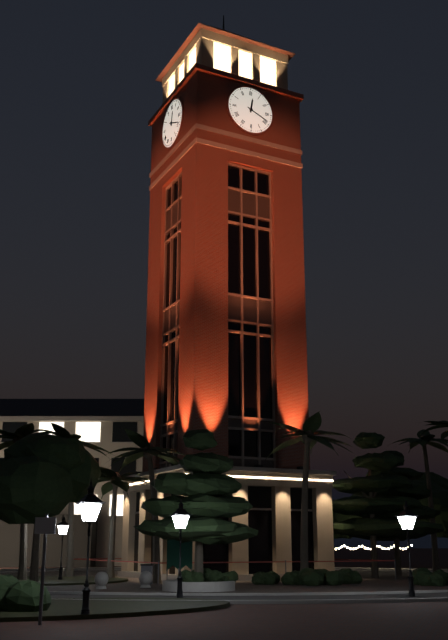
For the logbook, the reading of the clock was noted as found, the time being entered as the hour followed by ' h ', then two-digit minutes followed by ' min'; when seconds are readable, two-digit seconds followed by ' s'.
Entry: 12 h 19 min
